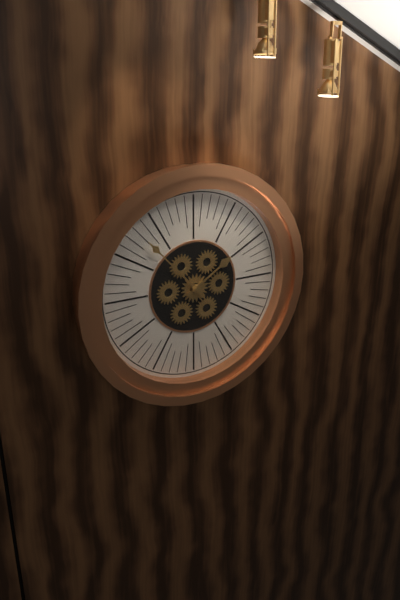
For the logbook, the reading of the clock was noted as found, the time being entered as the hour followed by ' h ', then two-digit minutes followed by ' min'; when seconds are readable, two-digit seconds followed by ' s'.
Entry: 1 h 53 min
